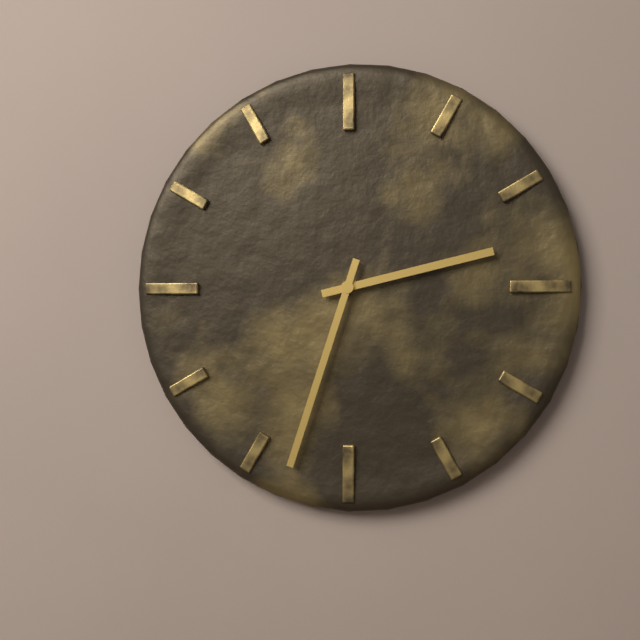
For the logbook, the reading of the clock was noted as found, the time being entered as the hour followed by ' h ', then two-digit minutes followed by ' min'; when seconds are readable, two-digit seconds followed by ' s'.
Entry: 2 h 33 min
